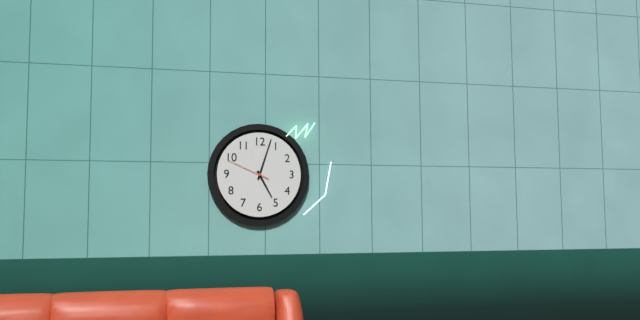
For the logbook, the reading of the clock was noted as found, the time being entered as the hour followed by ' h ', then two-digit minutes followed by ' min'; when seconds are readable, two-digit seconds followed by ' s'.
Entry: 5 h 03 min
